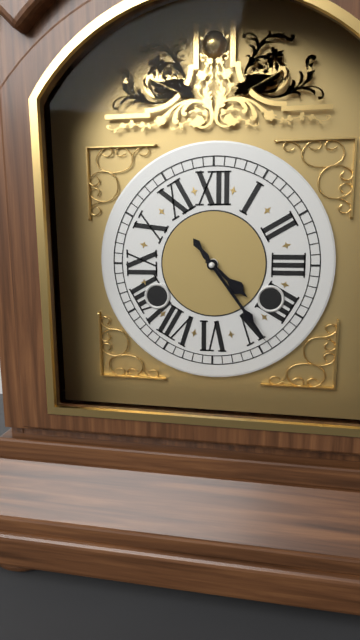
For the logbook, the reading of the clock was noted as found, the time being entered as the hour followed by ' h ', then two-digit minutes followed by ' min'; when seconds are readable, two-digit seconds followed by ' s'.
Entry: 4 h 24 min
